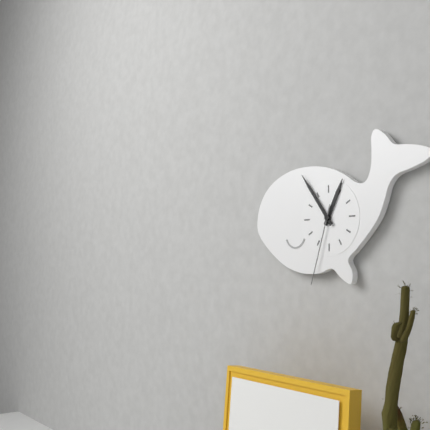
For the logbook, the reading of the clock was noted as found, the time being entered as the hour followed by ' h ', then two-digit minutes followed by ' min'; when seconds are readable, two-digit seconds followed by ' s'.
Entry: 12 h 54 min 33 s
